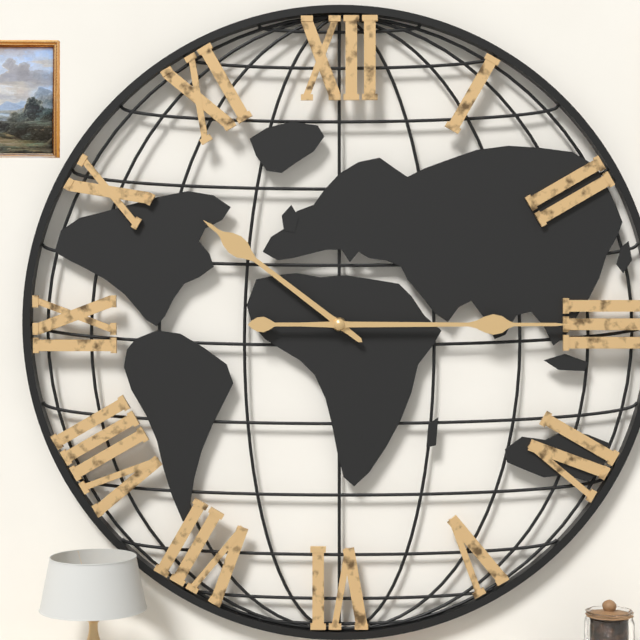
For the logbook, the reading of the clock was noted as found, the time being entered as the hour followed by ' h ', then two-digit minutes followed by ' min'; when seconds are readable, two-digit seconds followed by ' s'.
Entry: 10 h 15 min
